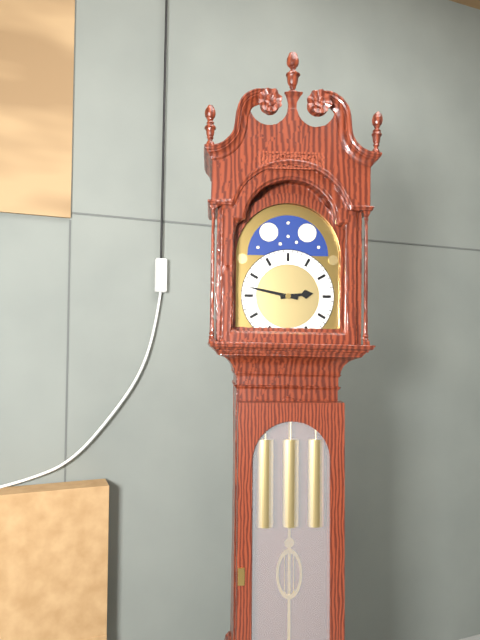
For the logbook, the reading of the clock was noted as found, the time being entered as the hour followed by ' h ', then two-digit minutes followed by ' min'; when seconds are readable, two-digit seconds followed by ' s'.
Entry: 2 h 47 min
